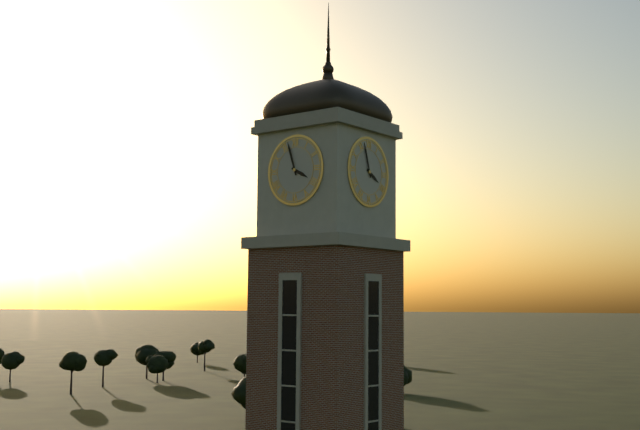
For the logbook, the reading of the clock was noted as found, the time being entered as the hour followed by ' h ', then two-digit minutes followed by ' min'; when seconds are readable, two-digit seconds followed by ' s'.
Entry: 3 h 57 min
